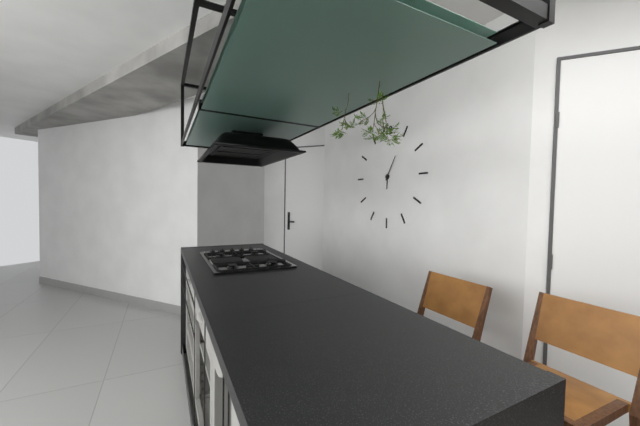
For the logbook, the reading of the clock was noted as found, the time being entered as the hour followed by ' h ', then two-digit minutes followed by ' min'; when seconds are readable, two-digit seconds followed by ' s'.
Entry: 6 h 05 min
